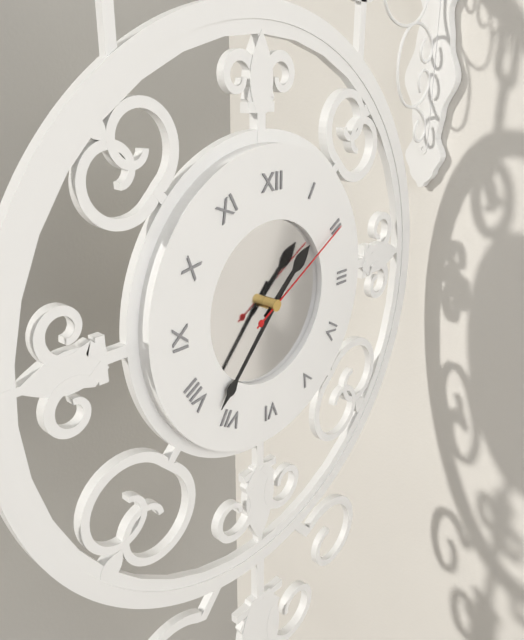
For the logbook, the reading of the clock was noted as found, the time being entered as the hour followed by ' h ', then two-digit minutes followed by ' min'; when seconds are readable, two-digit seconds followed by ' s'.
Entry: 1 h 37 min 10 s
